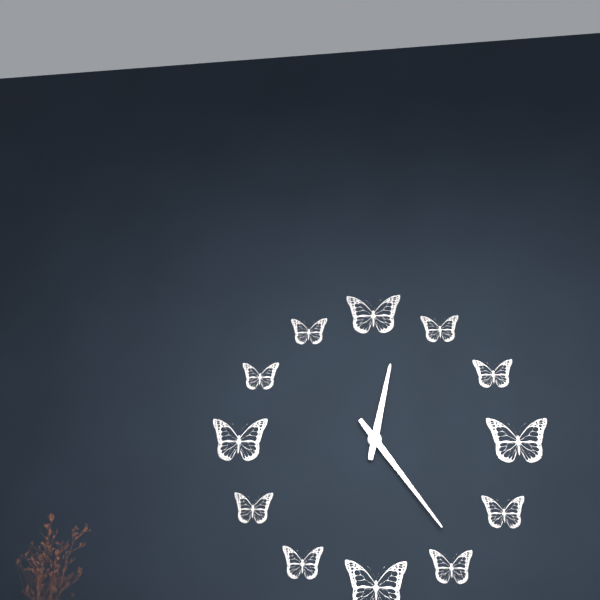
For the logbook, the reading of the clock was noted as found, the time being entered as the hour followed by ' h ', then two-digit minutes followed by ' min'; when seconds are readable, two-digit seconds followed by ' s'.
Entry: 12 h 24 min
